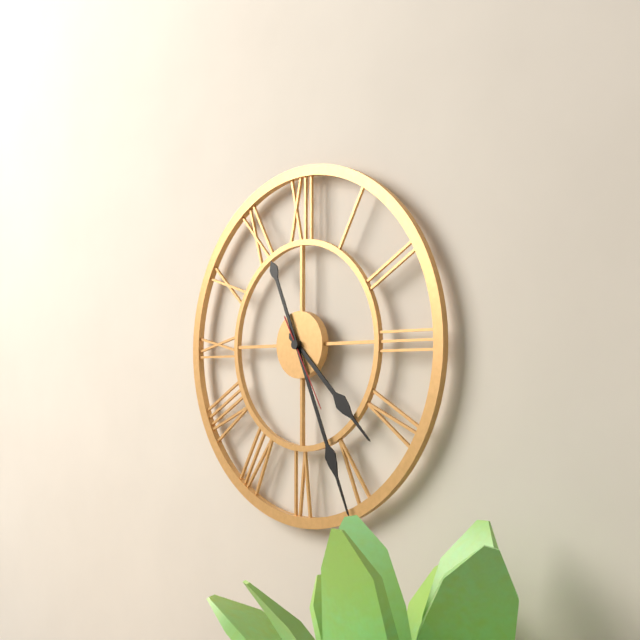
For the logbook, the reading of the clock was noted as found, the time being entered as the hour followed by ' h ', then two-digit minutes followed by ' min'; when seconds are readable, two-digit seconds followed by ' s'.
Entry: 4 h 26 min 25 s
